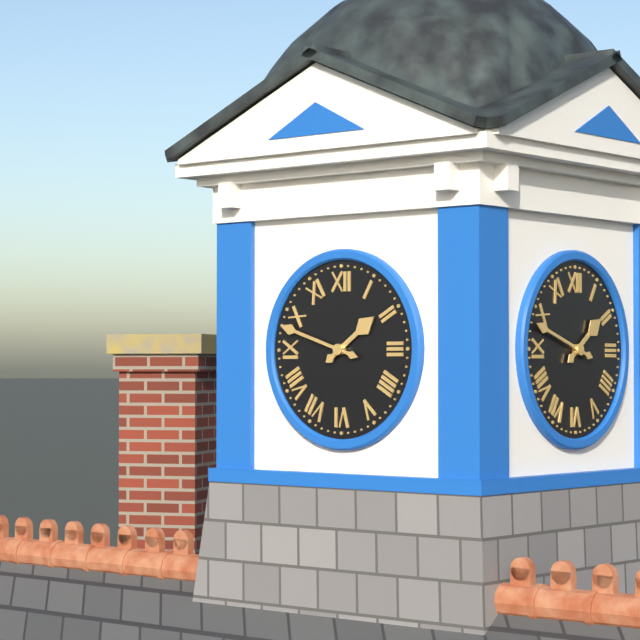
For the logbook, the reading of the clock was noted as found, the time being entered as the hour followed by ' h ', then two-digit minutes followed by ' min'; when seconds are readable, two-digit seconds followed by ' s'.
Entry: 1 h 48 min
